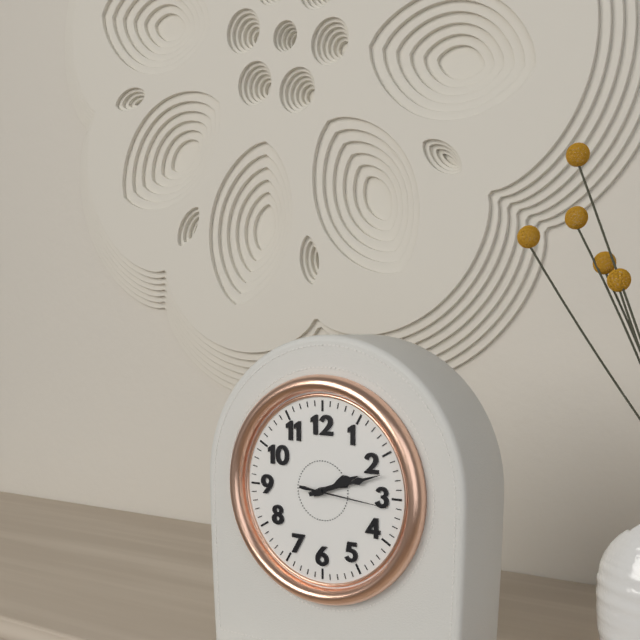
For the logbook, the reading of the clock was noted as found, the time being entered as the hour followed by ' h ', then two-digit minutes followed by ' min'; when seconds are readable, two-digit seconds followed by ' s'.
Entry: 2 h 12 min 16 s
